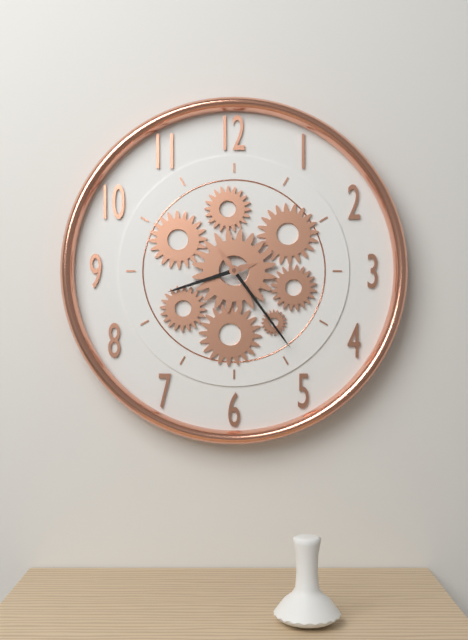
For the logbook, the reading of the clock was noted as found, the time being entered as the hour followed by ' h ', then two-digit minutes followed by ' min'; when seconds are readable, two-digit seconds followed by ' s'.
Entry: 8 h 24 min
